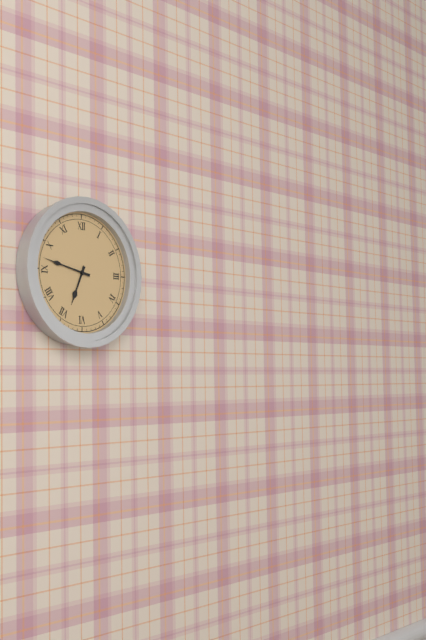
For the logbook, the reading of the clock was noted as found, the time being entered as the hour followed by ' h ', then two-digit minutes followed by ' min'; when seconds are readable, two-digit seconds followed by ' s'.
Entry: 6 h 47 min
